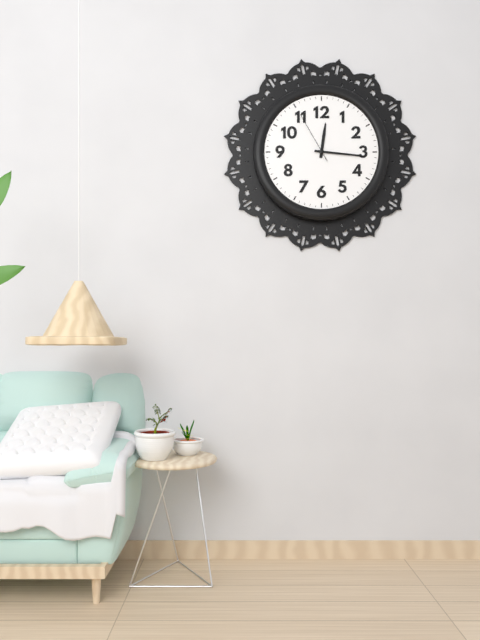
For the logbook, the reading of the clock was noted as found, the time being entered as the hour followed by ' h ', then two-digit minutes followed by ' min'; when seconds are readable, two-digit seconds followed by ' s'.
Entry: 12 h 16 min 55 s
